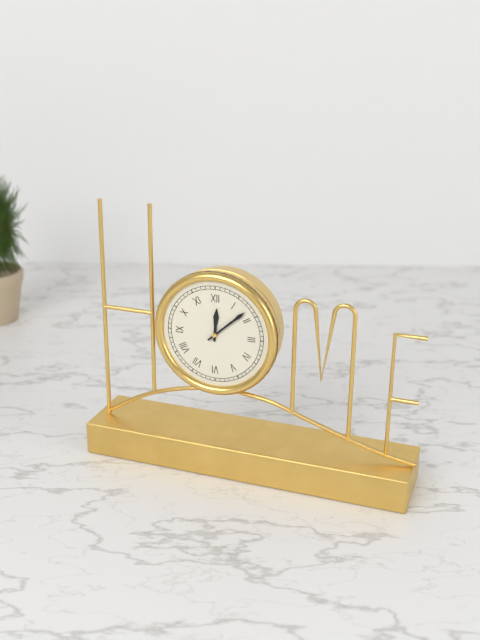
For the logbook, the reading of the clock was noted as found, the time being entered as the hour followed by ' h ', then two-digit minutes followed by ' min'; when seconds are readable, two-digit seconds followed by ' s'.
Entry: 12 h 08 min
